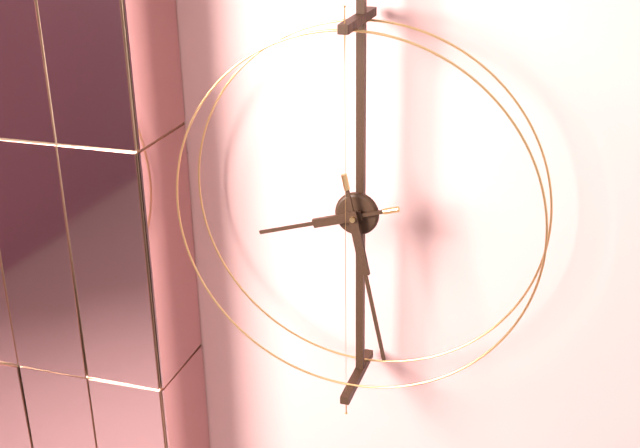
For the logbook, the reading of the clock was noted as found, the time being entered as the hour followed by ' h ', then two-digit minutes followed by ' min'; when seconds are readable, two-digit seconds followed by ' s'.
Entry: 8 h 28 min
